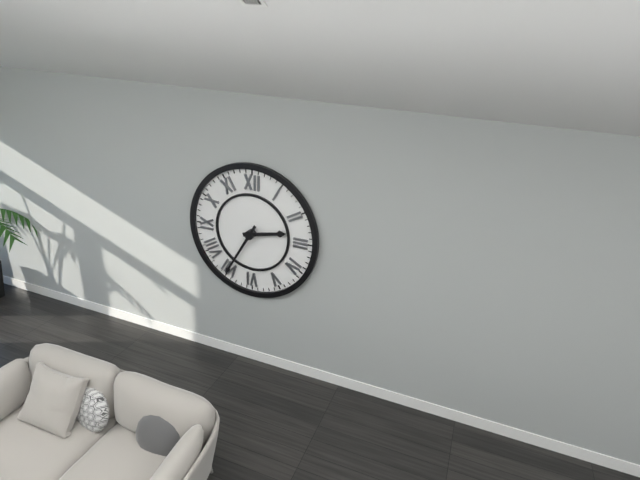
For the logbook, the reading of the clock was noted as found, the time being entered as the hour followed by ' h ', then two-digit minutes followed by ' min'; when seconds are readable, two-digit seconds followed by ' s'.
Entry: 2 h 35 min
